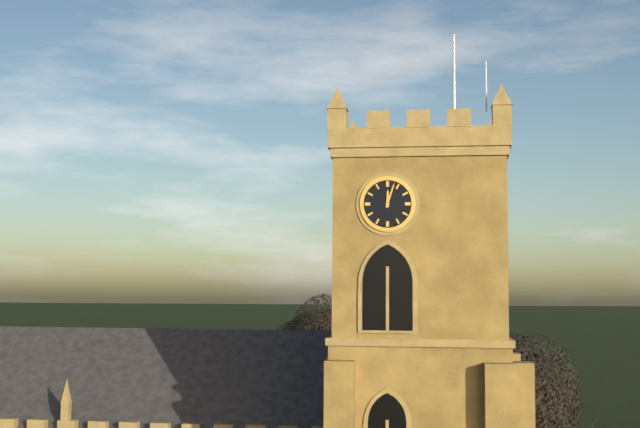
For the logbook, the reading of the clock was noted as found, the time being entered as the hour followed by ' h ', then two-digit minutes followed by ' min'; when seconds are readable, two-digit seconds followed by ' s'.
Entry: 12 h 03 min
